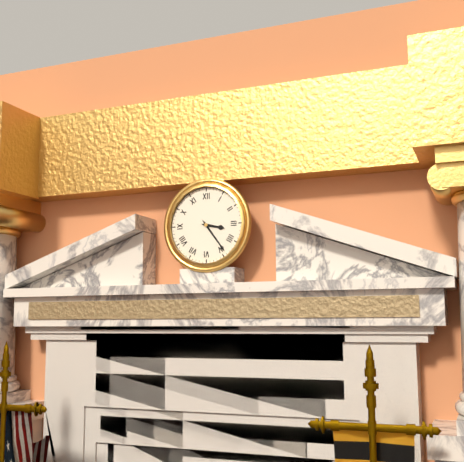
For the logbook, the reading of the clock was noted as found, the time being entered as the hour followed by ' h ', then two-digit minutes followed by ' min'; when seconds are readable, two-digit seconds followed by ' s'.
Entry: 3 h 24 min
